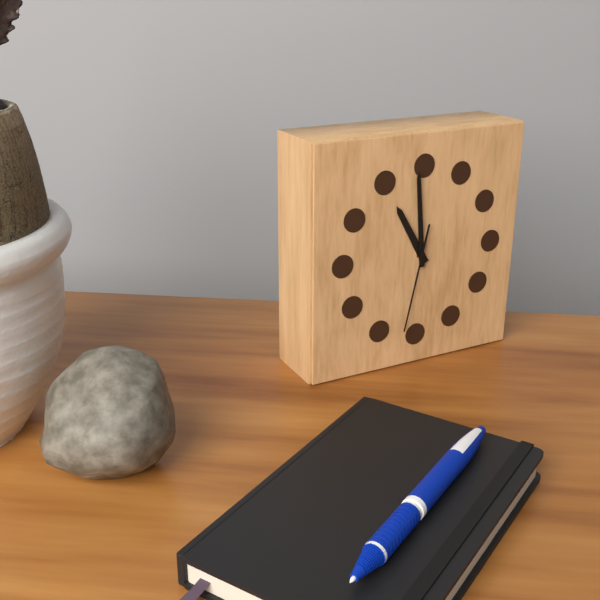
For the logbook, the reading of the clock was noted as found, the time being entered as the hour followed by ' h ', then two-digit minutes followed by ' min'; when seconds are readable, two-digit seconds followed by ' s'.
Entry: 10 h 59 min 32 s
